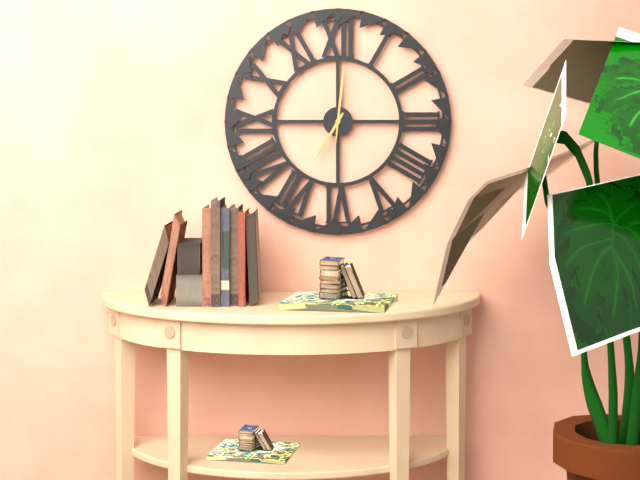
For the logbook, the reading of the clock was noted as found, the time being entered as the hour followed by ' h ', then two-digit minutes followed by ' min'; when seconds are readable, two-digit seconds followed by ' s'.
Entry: 7 h 01 min
